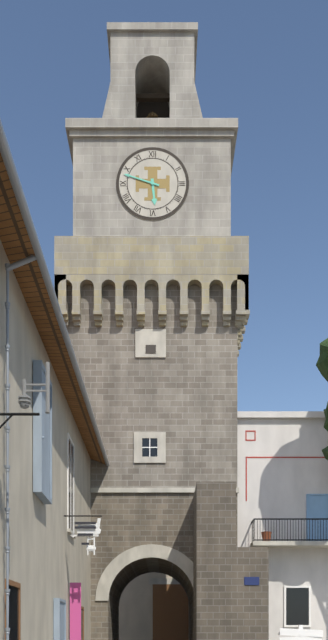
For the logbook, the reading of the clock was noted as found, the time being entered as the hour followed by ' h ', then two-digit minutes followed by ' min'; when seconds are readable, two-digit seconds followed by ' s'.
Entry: 5 h 48 min
